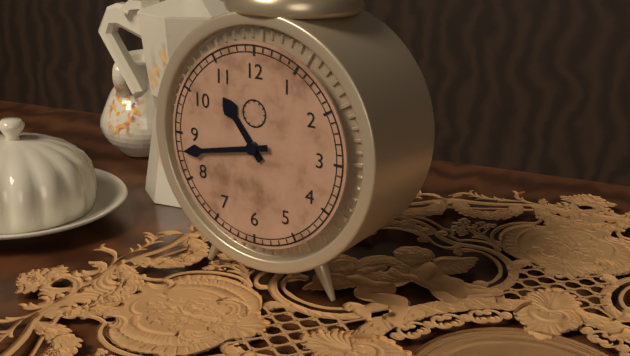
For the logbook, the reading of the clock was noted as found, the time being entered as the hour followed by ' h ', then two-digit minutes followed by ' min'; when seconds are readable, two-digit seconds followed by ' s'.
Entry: 10 h 43 min
